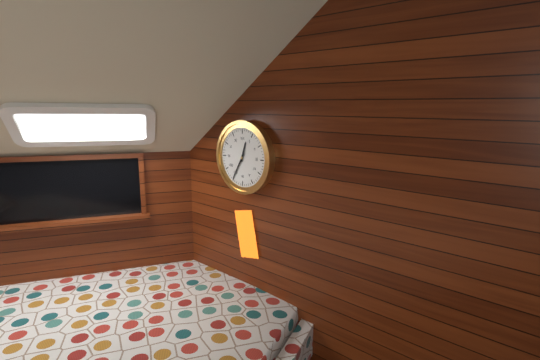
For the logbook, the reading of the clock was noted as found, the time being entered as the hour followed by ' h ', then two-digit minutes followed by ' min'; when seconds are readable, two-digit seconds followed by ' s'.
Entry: 12 h 35 min
